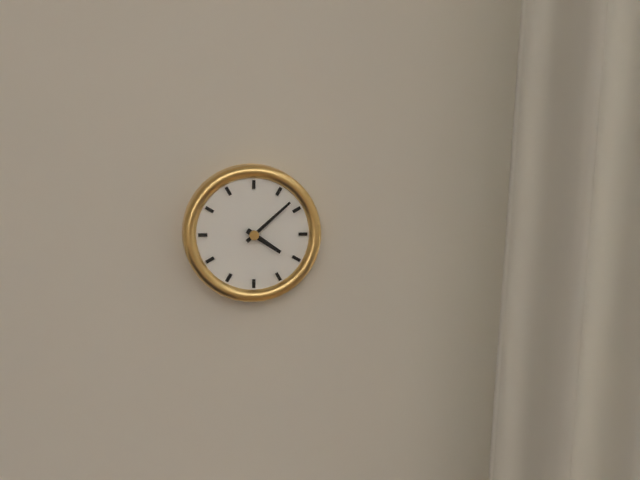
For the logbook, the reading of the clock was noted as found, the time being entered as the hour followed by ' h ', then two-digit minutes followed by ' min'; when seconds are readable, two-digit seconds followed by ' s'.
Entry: 4 h 08 min
